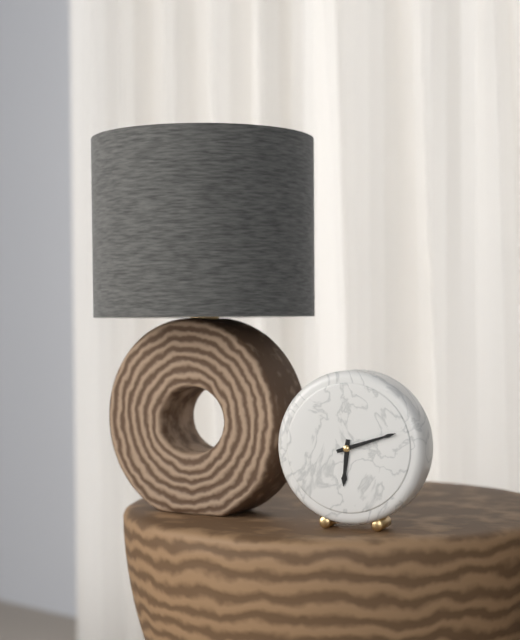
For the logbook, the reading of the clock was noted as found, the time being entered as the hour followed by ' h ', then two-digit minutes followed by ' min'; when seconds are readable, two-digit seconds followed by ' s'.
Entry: 6 h 12 min
